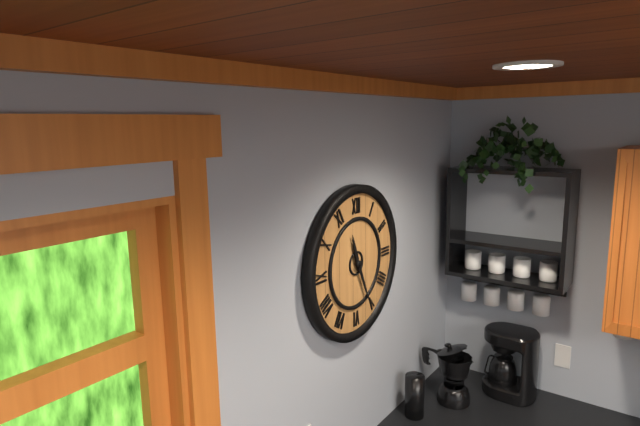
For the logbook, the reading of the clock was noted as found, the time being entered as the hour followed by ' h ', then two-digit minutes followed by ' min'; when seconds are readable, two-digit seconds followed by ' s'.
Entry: 11 h 26 min
